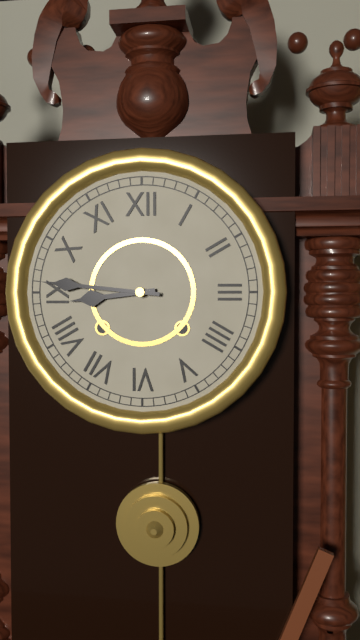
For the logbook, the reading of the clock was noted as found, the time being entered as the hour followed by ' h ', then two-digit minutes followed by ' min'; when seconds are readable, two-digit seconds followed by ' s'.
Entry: 8 h 46 min
